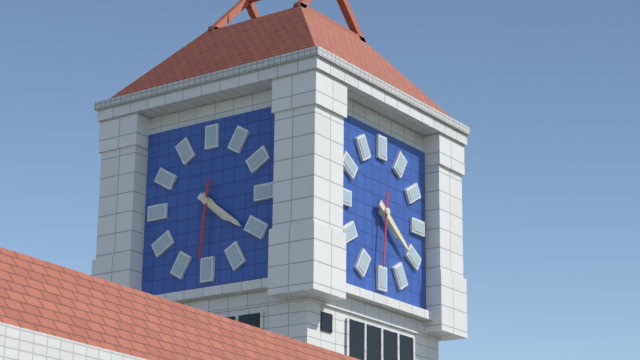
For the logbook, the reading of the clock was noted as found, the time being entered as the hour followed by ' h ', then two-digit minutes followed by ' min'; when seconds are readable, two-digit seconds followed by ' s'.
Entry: 4 h 21 min 31 s
